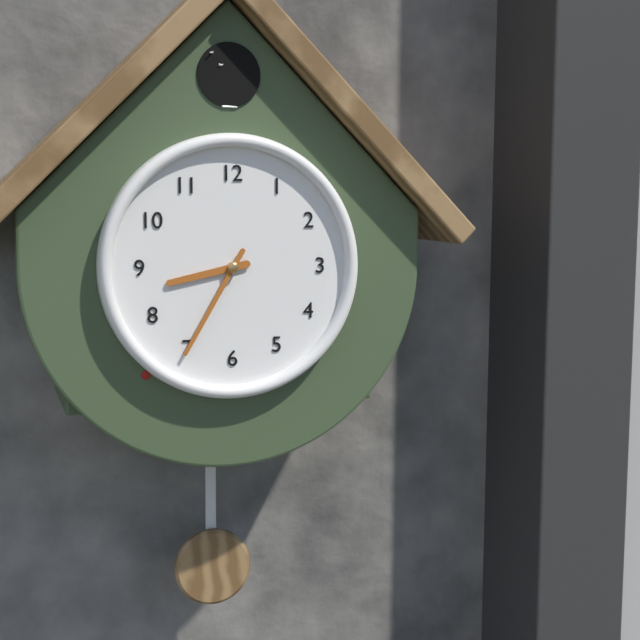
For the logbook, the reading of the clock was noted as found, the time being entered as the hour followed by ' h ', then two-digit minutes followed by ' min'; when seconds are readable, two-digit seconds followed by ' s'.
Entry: 8 h 35 min
